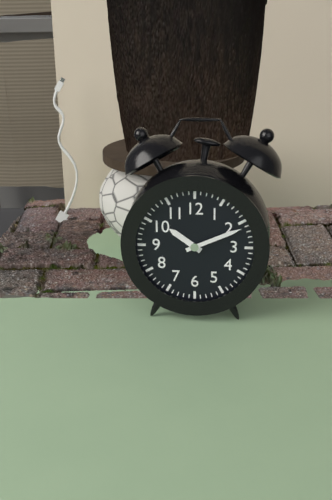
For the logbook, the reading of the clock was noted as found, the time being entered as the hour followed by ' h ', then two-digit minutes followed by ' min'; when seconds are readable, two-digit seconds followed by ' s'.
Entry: 10 h 11 min
